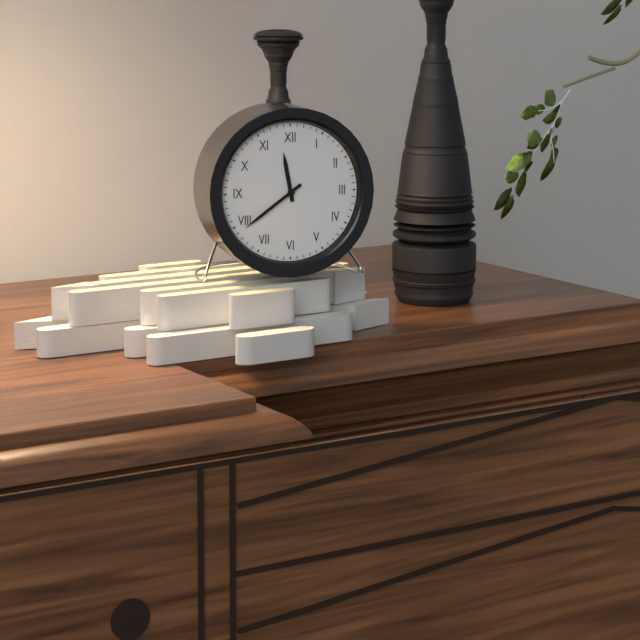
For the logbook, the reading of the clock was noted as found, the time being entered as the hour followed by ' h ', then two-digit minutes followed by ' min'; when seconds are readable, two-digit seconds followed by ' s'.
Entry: 11 h 39 min
